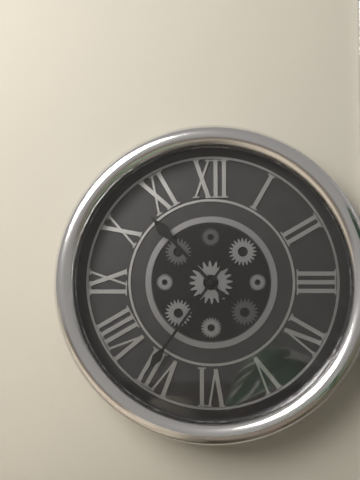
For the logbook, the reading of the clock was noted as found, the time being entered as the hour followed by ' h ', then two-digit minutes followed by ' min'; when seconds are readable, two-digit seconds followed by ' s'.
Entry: 10 h 36 min
